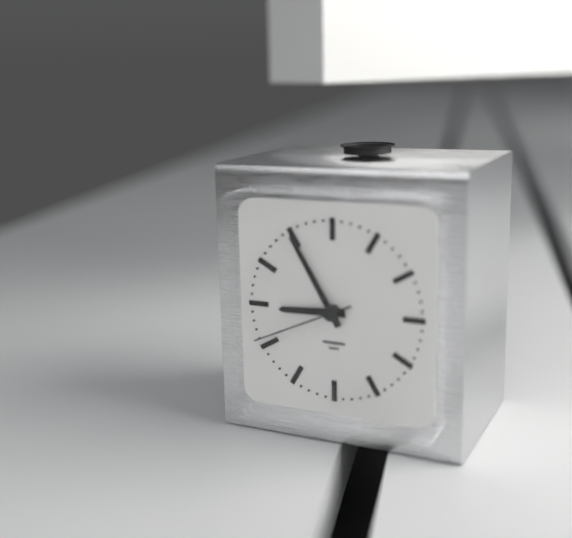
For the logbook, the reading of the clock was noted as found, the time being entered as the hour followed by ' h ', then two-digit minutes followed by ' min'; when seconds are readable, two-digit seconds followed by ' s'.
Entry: 8 h 55 min 41 s
